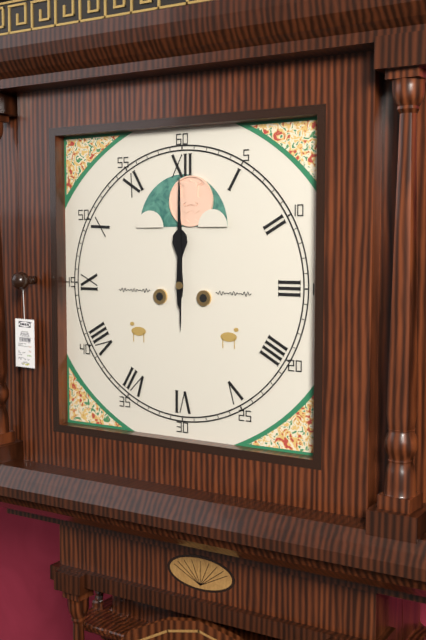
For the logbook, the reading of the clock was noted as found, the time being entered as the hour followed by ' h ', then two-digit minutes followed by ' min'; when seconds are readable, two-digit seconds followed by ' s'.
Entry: 12 h 00 min
